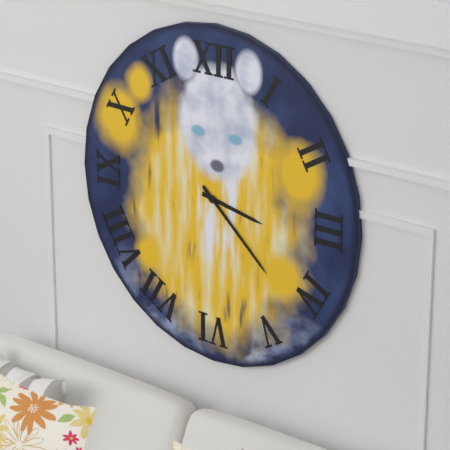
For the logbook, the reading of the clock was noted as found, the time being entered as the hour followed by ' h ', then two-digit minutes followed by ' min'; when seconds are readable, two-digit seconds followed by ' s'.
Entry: 3 h 22 min
